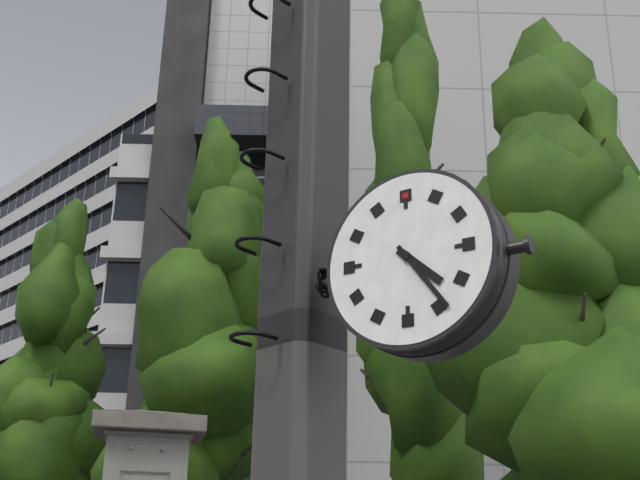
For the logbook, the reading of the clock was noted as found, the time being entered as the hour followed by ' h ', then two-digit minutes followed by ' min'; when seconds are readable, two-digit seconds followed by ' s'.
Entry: 4 h 24 min
